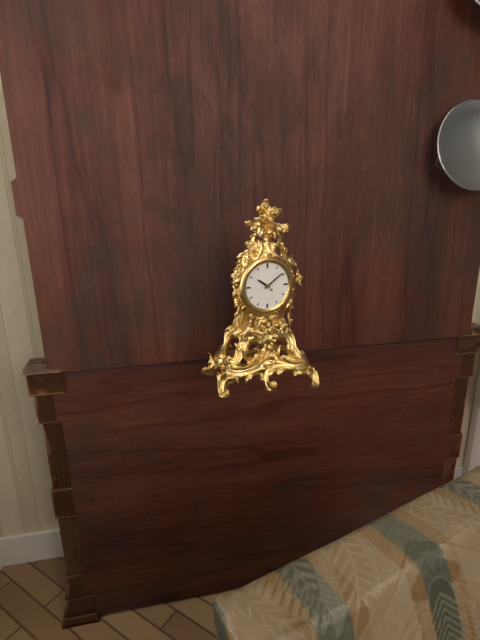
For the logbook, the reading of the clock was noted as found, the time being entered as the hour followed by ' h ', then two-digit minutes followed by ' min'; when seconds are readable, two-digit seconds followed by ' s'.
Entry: 10 h 09 min
